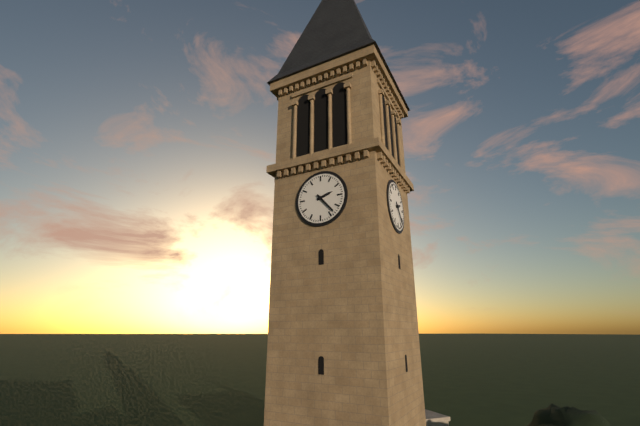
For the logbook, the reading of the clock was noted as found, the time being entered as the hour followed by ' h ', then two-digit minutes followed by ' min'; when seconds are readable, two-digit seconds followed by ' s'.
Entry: 2 h 23 min
